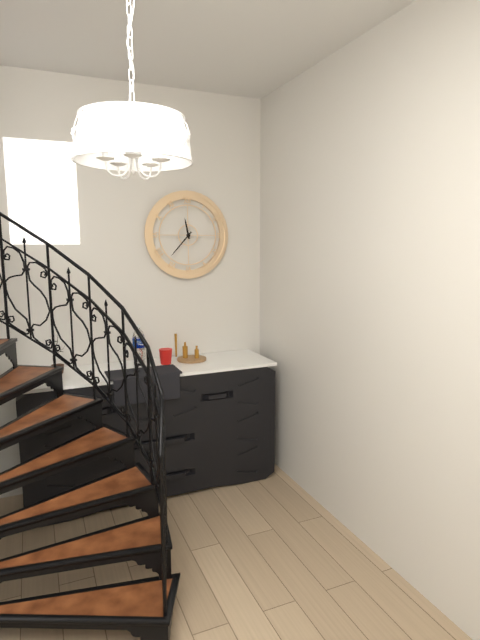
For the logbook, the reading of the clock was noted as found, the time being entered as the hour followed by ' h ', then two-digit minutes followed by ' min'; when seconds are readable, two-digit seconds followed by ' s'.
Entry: 11 h 37 min
